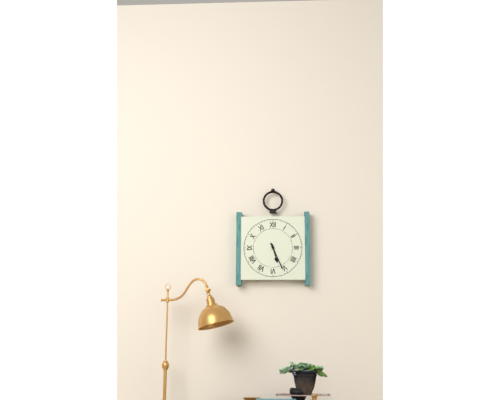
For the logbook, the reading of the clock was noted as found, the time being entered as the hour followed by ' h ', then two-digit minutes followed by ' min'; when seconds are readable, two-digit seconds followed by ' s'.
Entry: 5 h 26 min
